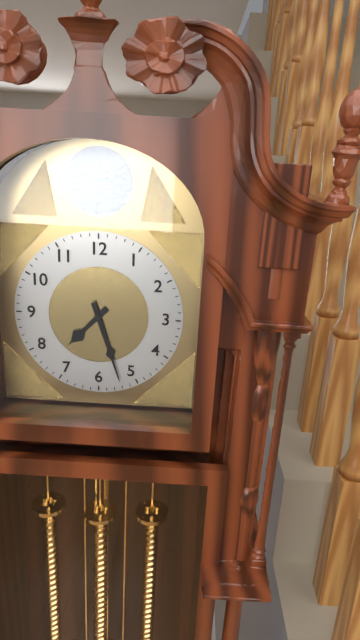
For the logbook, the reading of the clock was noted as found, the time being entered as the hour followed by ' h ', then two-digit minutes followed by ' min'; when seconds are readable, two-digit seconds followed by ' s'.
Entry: 7 h 27 min
